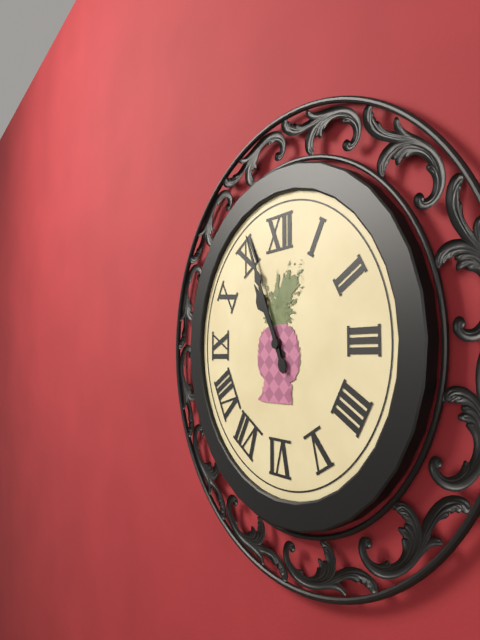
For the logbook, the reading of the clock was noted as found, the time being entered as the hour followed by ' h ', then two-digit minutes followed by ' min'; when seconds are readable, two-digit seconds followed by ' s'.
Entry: 10 h 56 min
